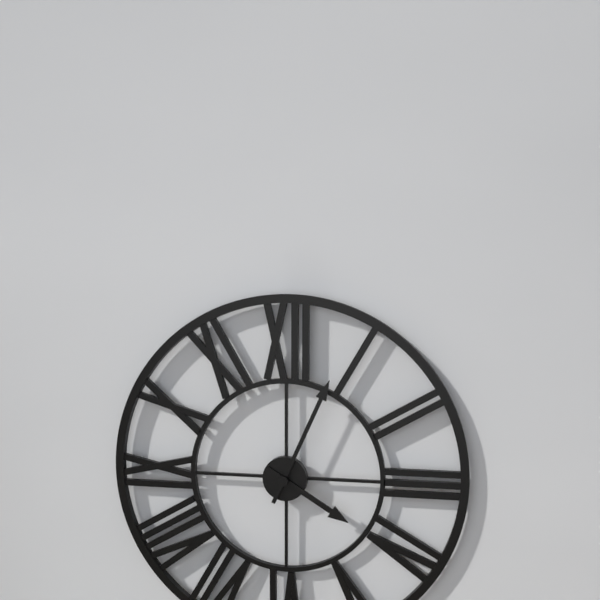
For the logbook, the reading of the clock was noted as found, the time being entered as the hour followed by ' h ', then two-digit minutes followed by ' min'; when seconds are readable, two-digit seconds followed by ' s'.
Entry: 4 h 04 min
